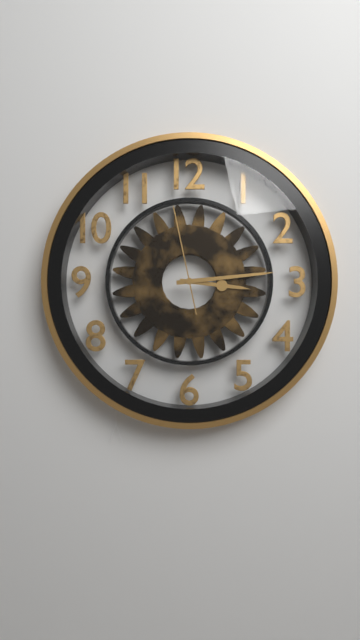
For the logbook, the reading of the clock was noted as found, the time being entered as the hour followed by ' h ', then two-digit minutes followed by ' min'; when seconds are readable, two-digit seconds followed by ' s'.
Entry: 3 h 14 min 58 s
